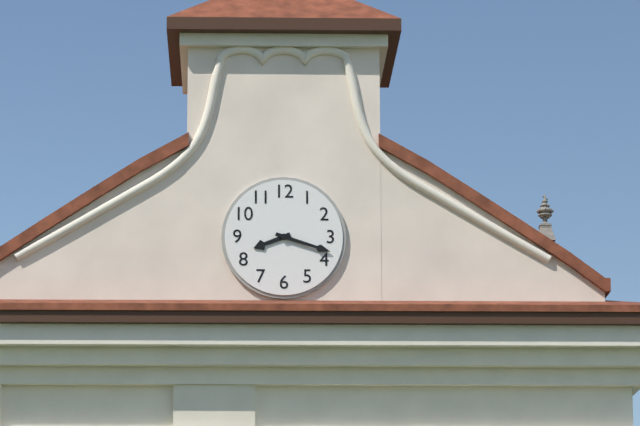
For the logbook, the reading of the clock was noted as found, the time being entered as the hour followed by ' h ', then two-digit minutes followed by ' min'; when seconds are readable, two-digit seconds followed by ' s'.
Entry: 8 h 18 min
